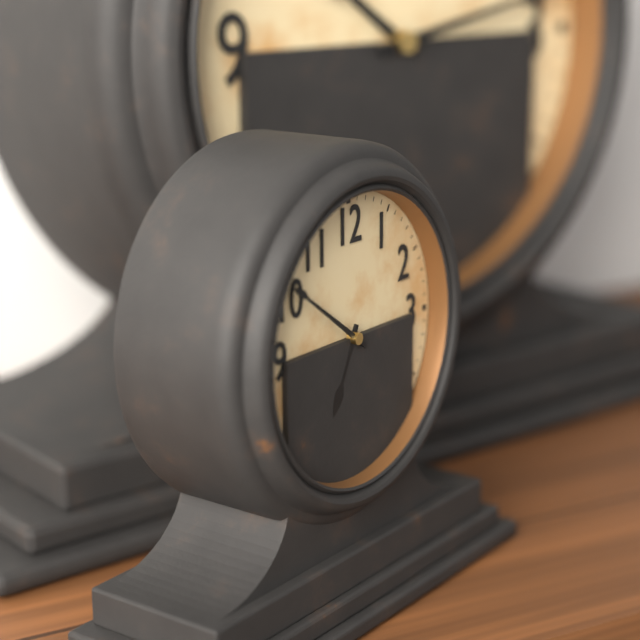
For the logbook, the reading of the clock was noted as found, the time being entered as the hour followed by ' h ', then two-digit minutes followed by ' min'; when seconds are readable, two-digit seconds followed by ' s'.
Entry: 6 h 51 min
